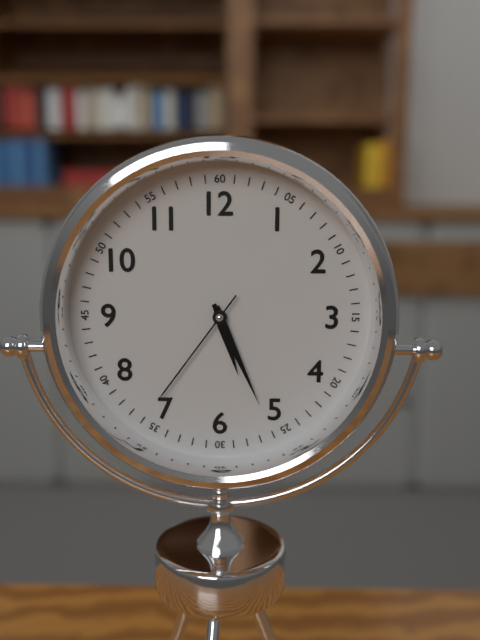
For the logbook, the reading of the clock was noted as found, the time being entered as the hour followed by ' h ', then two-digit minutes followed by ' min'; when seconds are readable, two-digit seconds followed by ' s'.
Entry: 5 h 26 min 36 s
